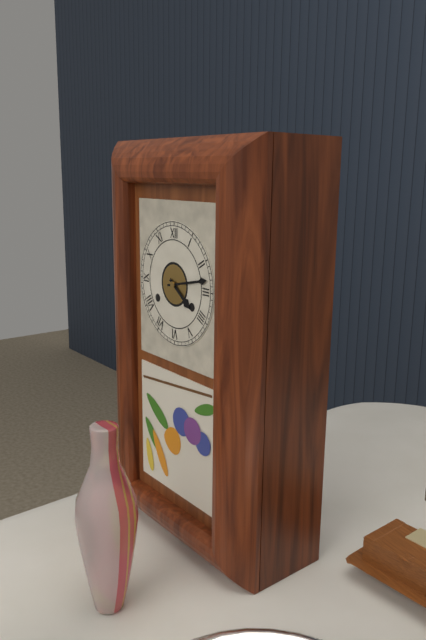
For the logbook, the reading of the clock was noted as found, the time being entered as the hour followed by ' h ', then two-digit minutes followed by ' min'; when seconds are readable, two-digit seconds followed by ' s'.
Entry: 4 h 13 min
